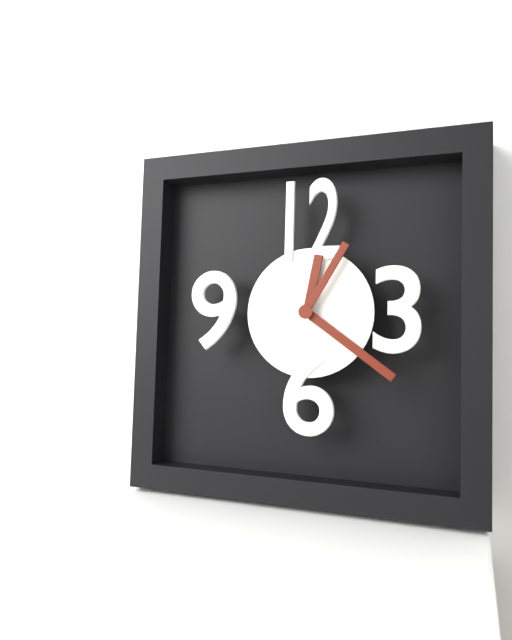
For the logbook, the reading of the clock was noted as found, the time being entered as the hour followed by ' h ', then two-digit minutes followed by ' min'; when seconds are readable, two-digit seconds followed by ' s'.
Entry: 12 h 21 min 05 s
